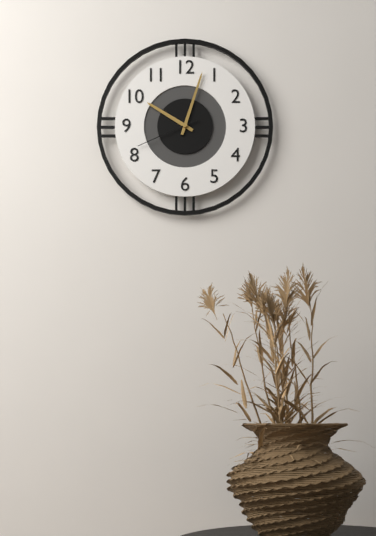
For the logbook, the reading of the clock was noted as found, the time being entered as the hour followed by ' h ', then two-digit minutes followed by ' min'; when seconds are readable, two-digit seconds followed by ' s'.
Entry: 10 h 03 min 41 s
